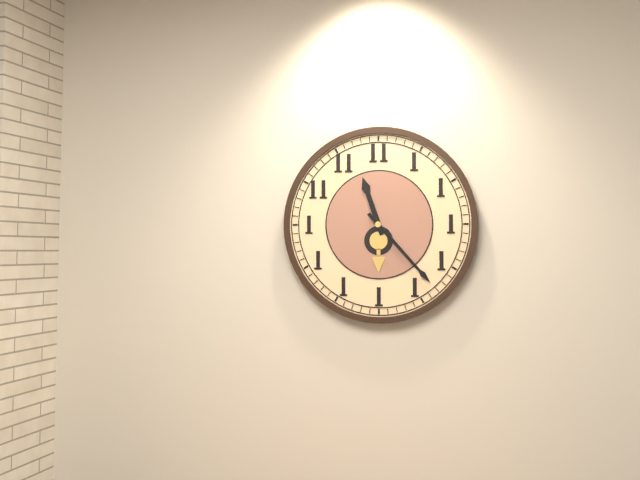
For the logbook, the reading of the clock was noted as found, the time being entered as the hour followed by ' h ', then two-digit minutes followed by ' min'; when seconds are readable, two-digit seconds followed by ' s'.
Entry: 11 h 23 min
